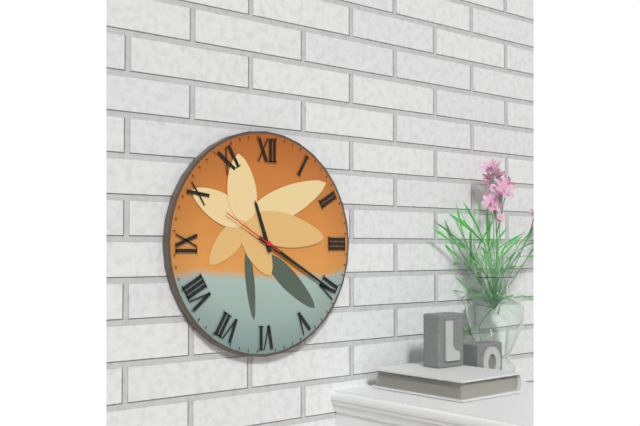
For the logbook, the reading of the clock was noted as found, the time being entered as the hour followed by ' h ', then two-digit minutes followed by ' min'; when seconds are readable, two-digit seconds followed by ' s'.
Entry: 11 h 20 min 50 s
